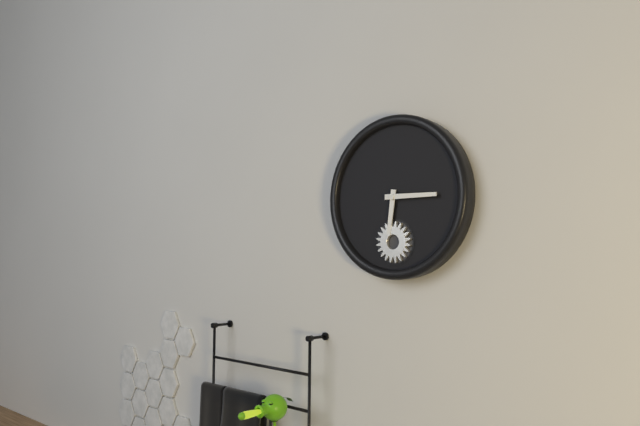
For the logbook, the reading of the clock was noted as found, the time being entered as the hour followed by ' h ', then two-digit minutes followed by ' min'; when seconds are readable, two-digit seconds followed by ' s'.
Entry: 6 h 15 min
